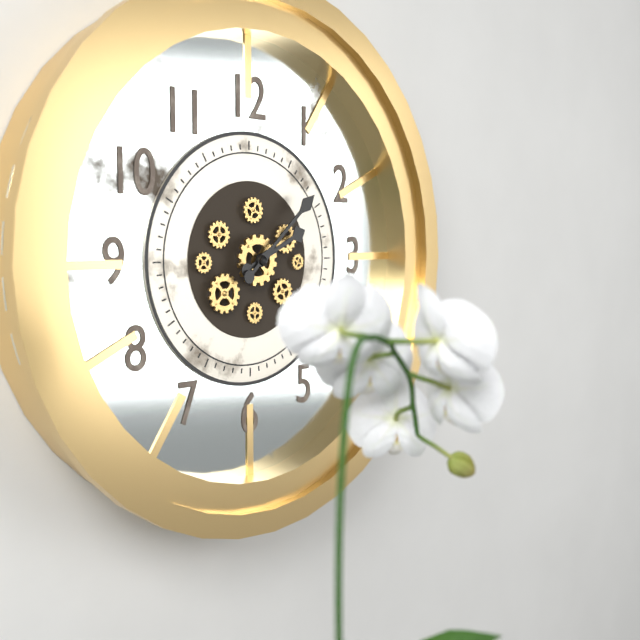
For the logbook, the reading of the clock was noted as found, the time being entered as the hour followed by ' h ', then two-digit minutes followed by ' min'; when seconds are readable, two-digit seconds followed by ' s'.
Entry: 2 h 08 min
